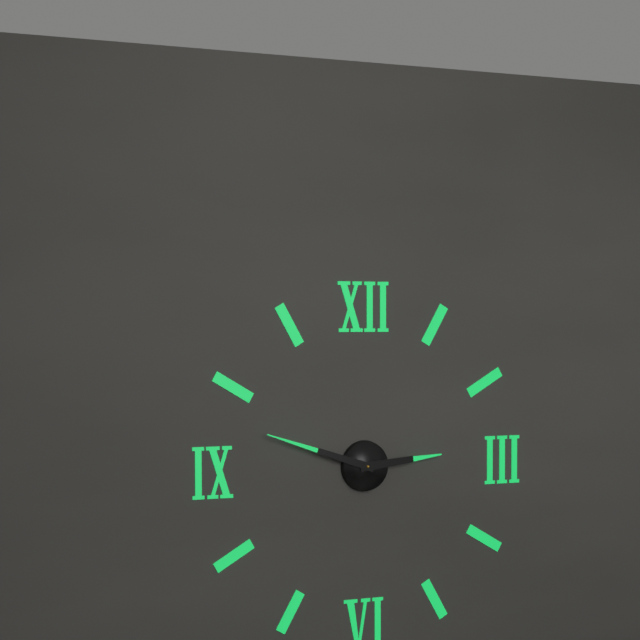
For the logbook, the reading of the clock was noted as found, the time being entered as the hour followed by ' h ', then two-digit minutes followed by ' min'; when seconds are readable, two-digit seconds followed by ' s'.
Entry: 2 h 48 min
